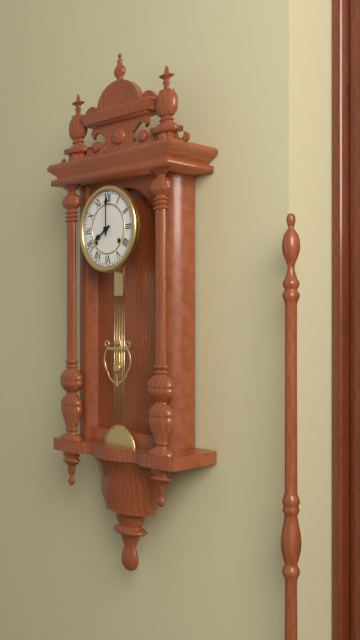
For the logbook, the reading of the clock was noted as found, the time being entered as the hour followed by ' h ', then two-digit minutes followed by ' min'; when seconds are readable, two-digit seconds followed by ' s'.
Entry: 8 h 00 min
